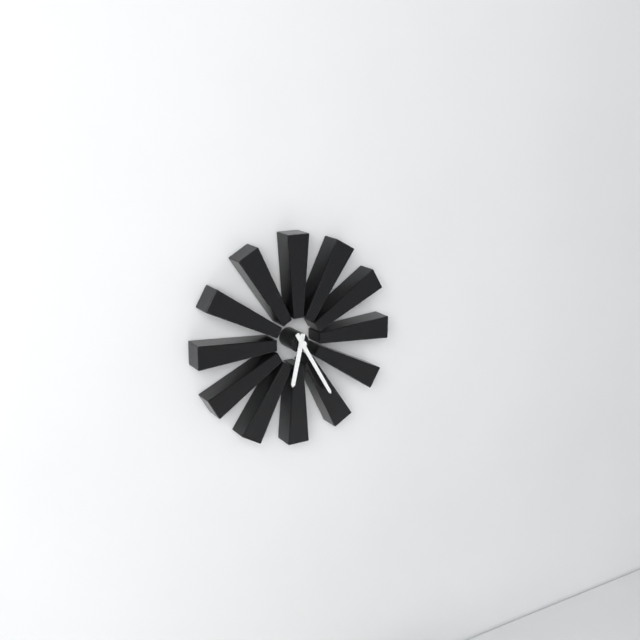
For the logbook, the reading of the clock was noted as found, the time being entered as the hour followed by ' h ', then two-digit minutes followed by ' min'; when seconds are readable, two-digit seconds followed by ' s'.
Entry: 6 h 25 min
